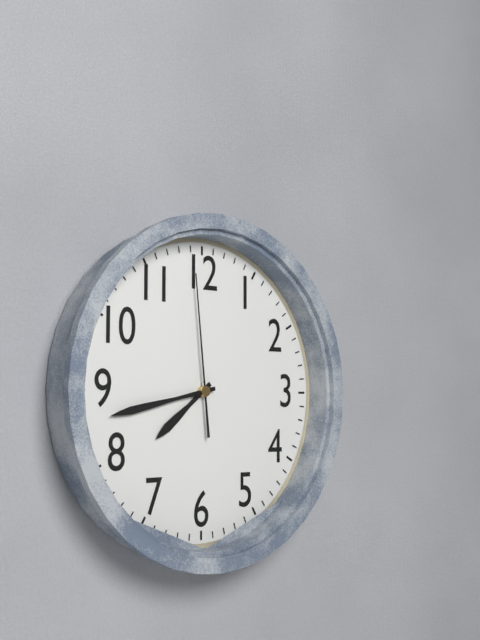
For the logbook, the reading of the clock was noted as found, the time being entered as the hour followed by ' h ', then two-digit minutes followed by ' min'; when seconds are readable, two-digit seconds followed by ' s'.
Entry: 7 h 43 min 59 s
